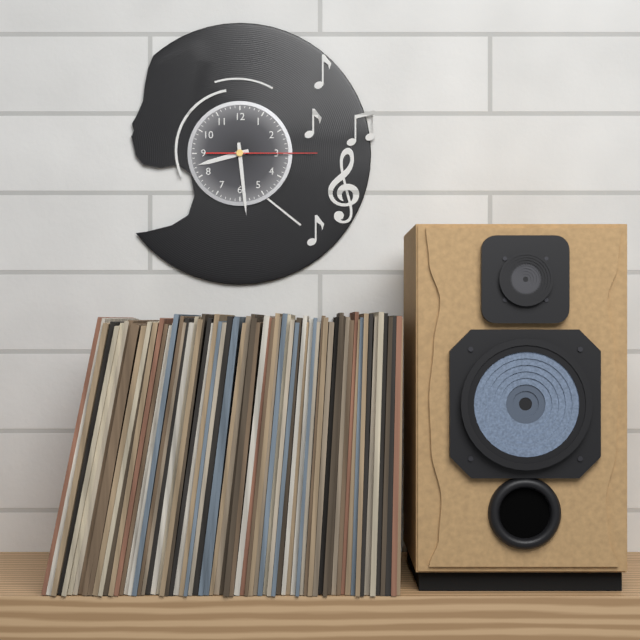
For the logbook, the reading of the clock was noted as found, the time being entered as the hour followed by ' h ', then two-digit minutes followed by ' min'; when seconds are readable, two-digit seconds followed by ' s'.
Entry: 8 h 29 min 15 s
